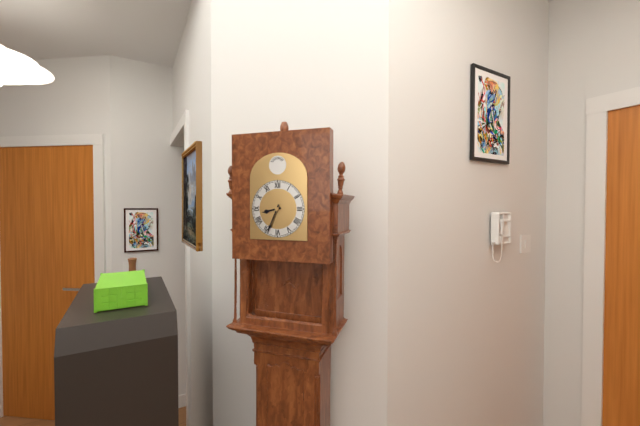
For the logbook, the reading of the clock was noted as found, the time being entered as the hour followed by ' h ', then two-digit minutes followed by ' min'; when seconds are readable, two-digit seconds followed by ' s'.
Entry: 8 h 34 min
